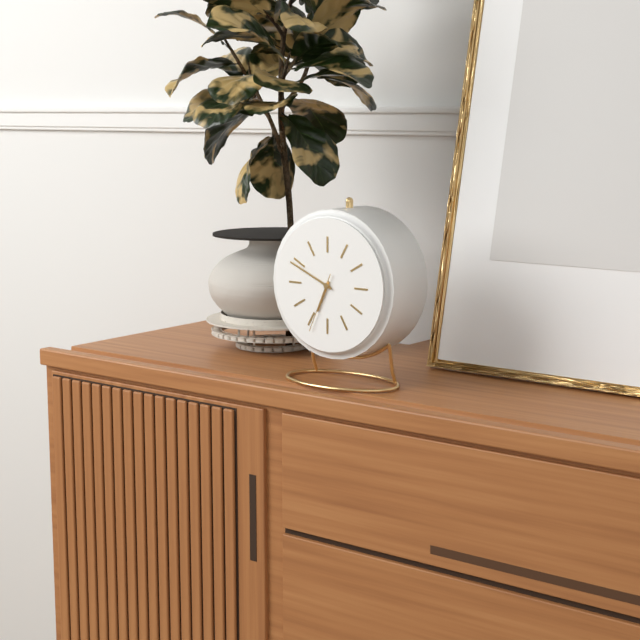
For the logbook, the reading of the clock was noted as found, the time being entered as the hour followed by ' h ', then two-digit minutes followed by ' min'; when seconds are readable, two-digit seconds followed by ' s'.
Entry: 6 h 49 min 34 s
